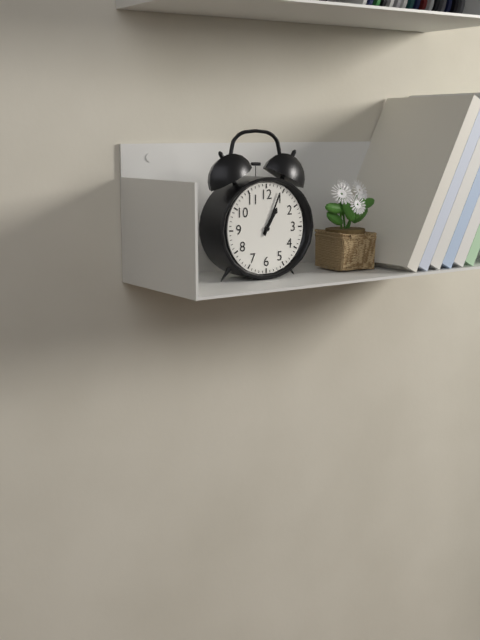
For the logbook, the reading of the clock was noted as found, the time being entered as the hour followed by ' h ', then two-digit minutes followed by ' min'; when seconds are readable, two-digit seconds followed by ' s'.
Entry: 1 h 04 min
